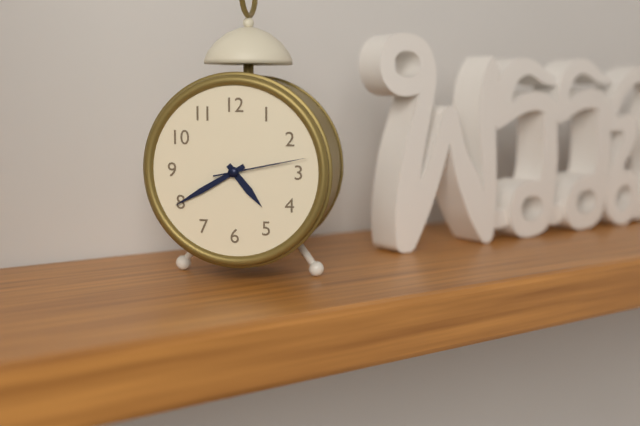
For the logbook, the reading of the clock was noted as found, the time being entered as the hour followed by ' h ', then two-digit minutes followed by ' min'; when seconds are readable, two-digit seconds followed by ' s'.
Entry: 4 h 40 min 13 s
